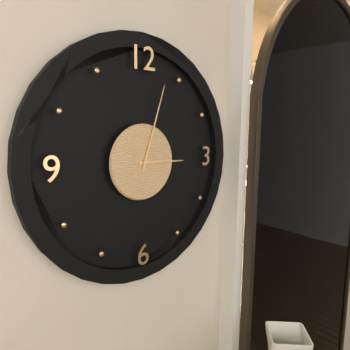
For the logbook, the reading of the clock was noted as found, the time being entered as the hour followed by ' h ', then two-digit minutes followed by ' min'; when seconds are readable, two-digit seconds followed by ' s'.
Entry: 3 h 03 min
